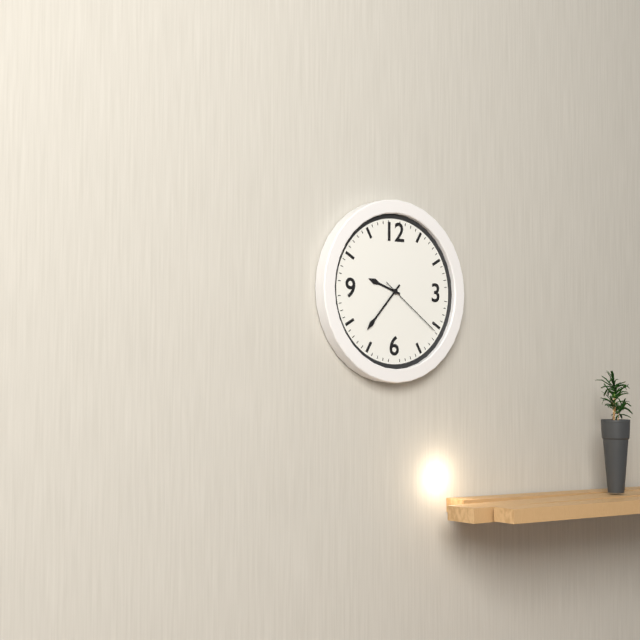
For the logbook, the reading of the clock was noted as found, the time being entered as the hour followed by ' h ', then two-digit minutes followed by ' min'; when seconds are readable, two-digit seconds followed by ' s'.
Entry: 9 h 37 min 21 s
